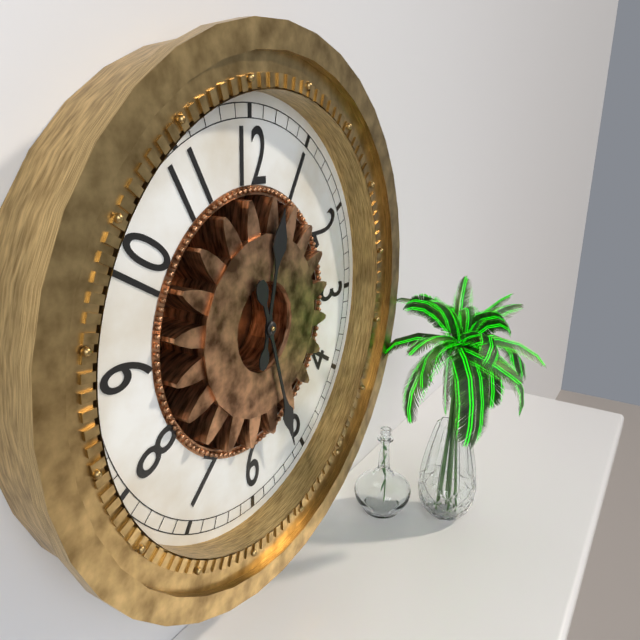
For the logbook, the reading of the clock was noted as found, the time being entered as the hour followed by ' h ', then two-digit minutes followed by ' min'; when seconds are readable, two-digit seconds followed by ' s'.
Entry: 12 h 27 min
